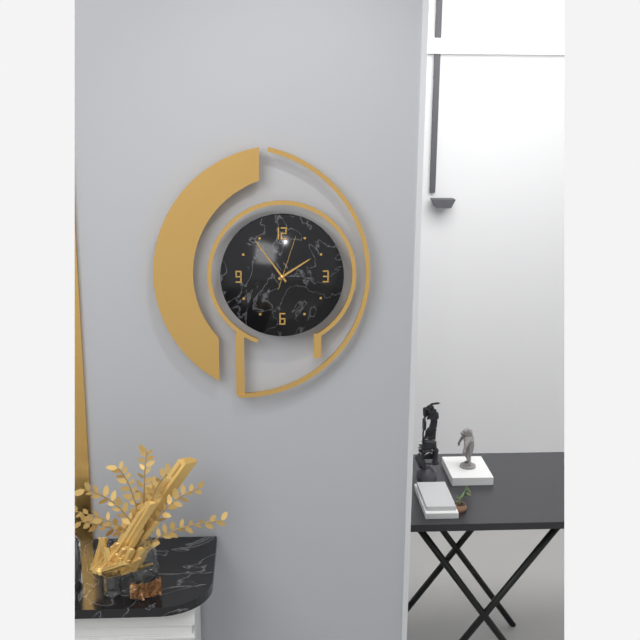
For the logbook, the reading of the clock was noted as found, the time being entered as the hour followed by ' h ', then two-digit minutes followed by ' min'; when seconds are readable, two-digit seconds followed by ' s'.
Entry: 1 h 54 min 03 s
